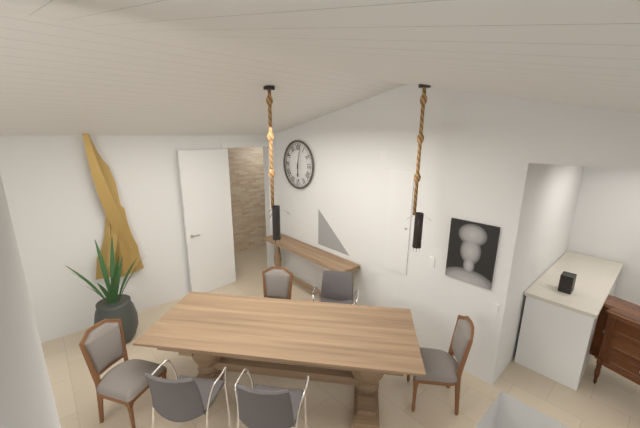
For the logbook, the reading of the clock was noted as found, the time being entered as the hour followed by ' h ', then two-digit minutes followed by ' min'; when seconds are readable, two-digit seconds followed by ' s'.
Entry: 6 h 02 min
